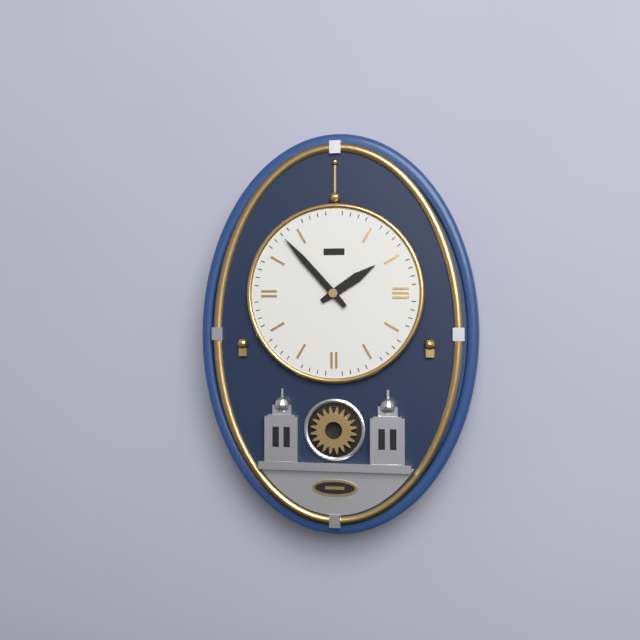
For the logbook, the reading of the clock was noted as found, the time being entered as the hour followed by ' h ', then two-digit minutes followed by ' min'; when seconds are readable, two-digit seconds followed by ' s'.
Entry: 1 h 53 min
